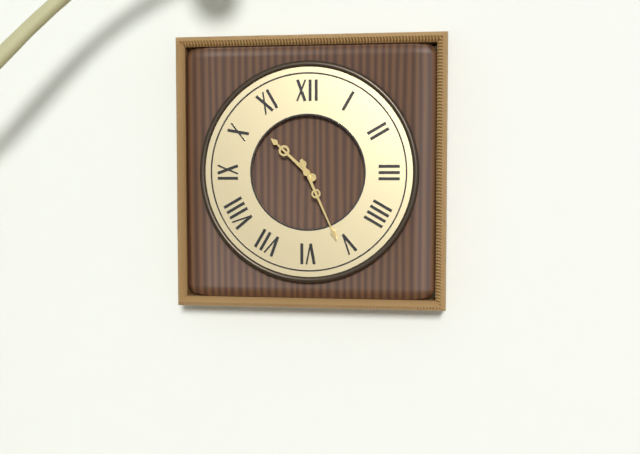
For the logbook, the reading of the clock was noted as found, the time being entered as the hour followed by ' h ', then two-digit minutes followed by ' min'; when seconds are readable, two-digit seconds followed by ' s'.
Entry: 10 h 26 min
